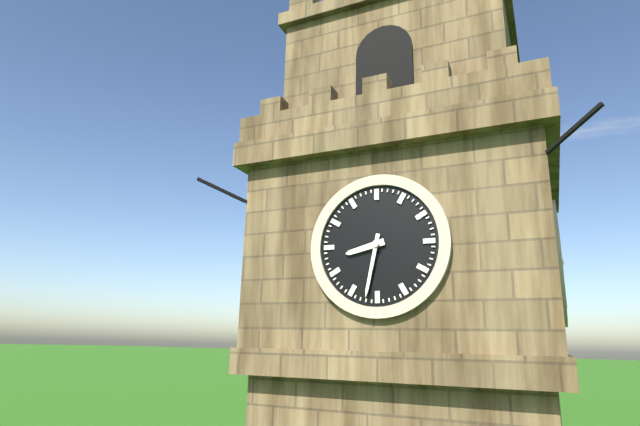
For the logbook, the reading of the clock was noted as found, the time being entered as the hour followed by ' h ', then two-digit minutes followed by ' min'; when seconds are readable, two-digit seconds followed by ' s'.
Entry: 8 h 32 min
